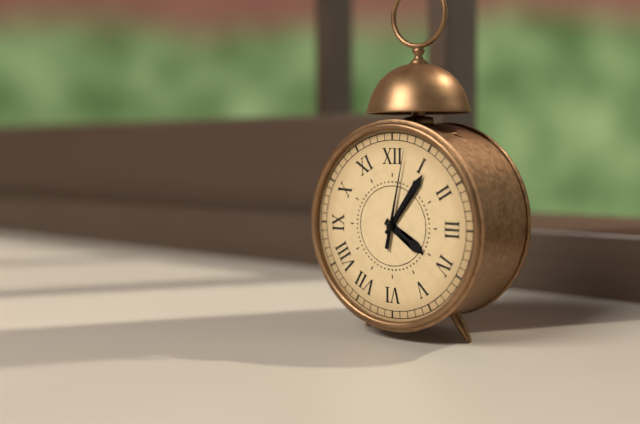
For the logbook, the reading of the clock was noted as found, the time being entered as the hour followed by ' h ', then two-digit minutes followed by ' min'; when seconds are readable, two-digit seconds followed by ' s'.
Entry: 4 h 06 min 02 s
